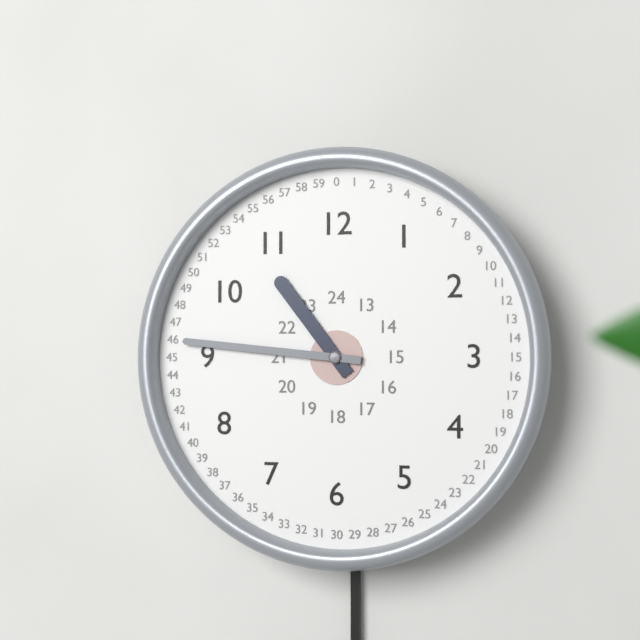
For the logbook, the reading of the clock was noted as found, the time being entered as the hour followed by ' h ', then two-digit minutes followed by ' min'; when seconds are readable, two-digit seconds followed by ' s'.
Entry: 10 h 46 min
